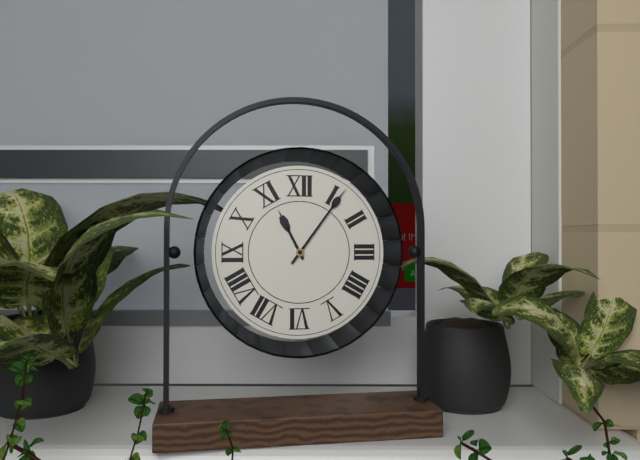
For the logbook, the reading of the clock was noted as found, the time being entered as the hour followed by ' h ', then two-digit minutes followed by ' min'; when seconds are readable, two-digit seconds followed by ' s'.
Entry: 11 h 06 min
